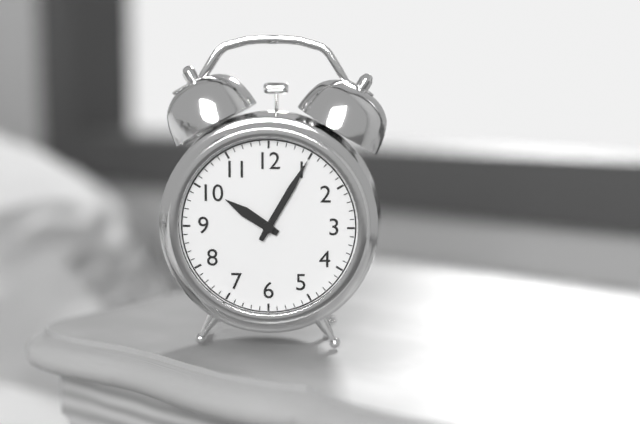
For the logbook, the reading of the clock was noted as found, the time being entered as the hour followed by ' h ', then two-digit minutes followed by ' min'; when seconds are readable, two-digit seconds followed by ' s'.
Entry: 10 h 05 min
